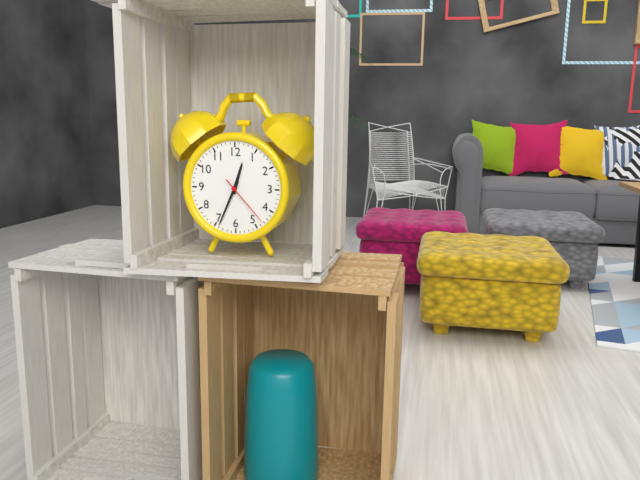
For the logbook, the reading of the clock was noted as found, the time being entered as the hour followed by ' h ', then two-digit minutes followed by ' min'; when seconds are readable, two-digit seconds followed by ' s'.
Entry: 12 h 34 min 23 s
